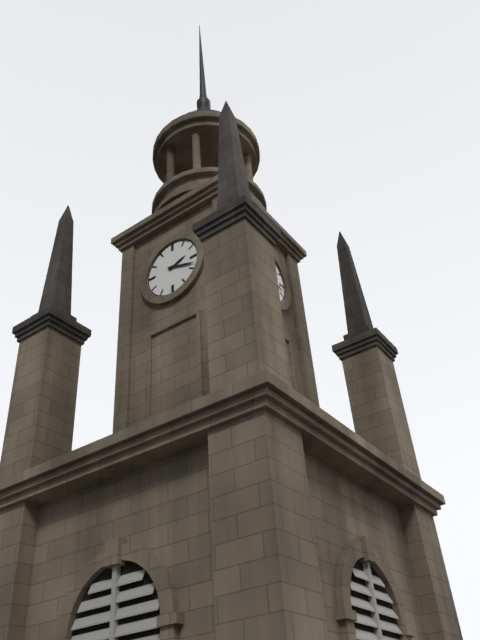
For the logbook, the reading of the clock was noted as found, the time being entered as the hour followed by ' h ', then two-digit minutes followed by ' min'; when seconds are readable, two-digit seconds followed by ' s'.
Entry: 2 h 18 min
